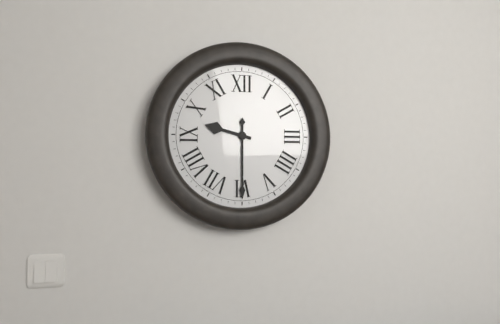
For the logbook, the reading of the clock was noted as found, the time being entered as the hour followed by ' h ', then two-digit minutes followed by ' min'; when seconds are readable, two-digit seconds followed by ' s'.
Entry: 9 h 30 min
